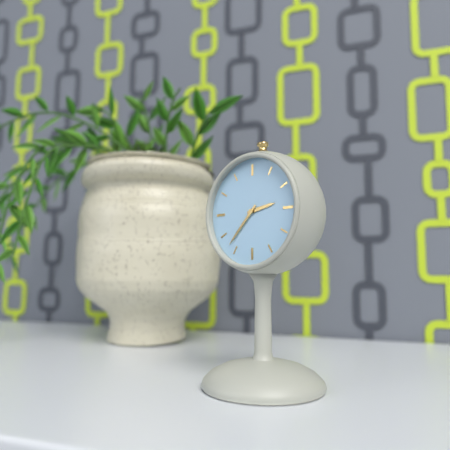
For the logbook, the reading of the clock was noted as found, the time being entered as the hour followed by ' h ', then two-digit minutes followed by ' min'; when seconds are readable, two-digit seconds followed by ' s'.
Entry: 2 h 37 min
